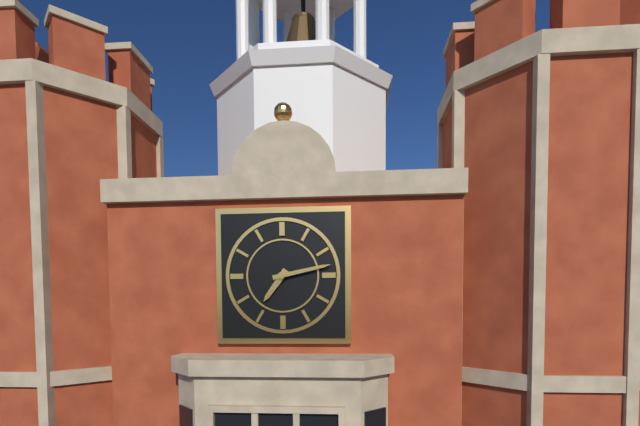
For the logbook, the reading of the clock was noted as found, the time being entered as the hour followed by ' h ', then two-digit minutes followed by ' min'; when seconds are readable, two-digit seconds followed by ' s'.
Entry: 7 h 13 min
